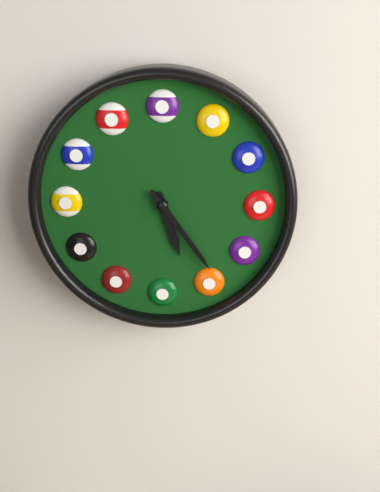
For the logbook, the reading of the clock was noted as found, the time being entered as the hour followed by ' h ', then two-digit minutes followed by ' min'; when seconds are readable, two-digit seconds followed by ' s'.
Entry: 5 h 24 min
